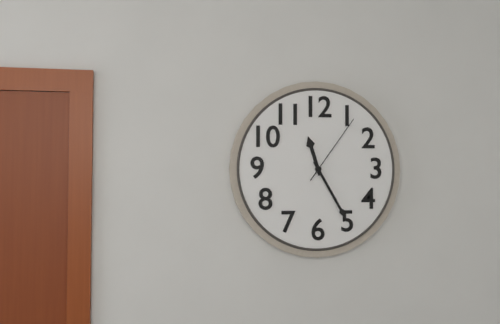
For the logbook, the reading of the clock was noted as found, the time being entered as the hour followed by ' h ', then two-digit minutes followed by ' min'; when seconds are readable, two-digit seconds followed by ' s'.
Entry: 11 h 25 min 06 s
